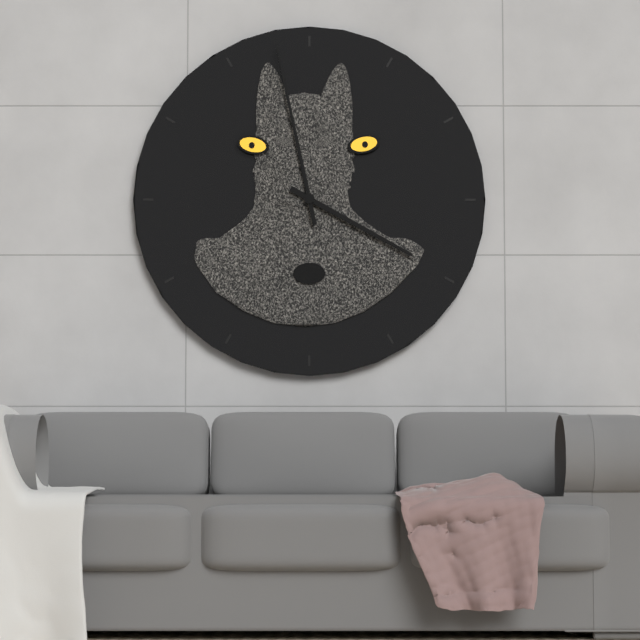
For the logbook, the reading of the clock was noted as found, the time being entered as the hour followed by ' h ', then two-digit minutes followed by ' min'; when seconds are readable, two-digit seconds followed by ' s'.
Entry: 3 h 58 min
